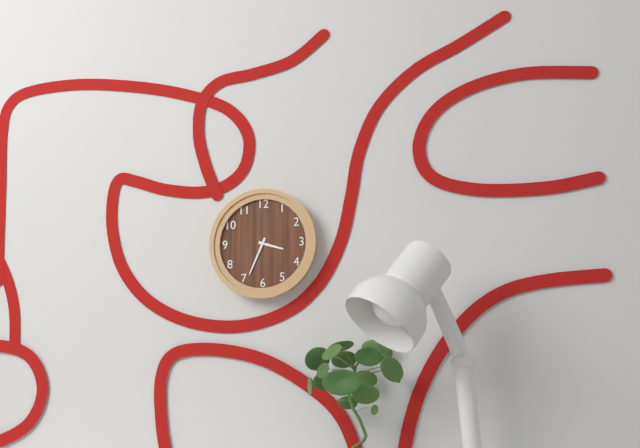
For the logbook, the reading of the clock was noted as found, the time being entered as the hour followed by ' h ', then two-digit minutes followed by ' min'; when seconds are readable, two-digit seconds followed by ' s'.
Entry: 3 h 34 min
